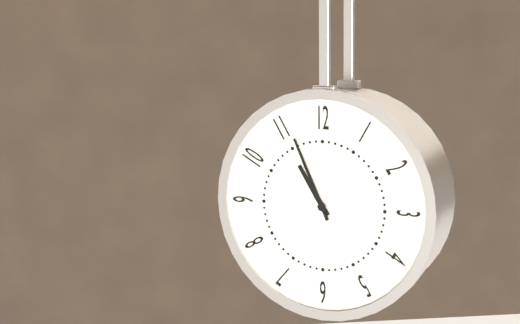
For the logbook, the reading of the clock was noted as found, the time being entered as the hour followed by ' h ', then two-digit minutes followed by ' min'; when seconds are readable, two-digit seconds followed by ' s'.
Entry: 10 h 56 min
